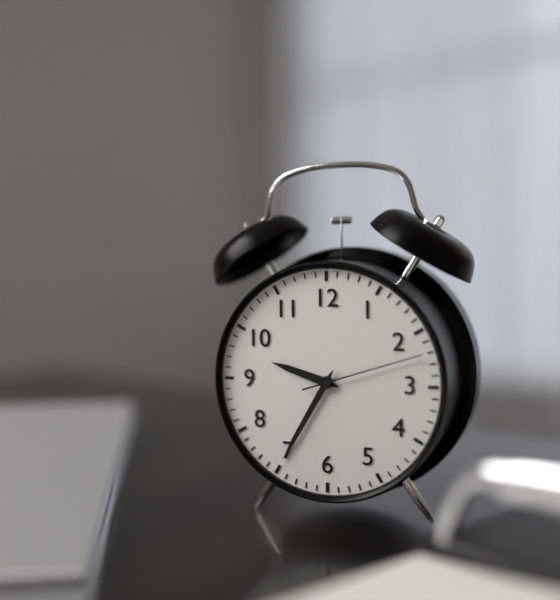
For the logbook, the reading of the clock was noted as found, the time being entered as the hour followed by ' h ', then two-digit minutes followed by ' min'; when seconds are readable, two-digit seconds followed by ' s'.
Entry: 9 h 35 min 12 s
